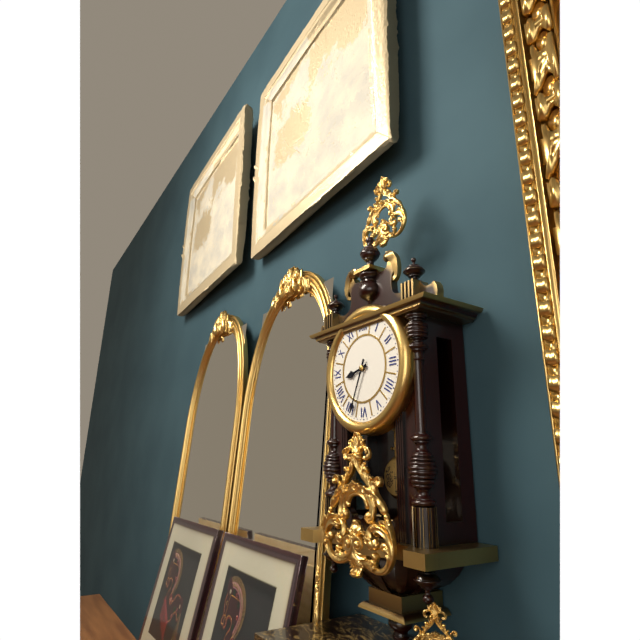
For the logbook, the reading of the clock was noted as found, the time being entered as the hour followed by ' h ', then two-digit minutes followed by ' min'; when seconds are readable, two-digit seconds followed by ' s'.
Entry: 8 h 34 min
